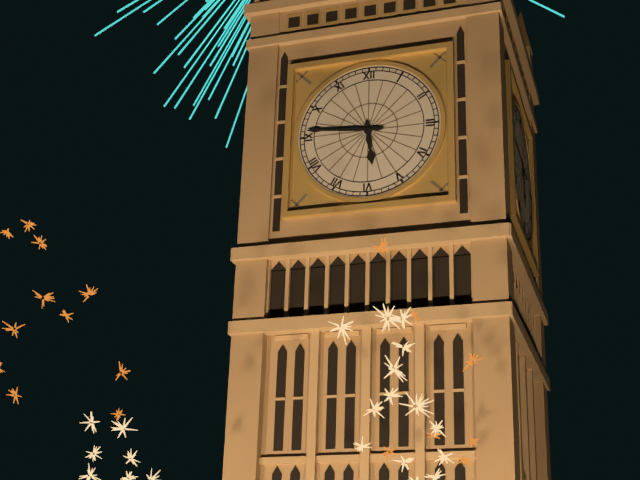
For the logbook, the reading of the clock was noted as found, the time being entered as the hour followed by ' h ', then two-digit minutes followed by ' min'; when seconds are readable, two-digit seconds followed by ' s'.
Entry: 5 h 46 min
